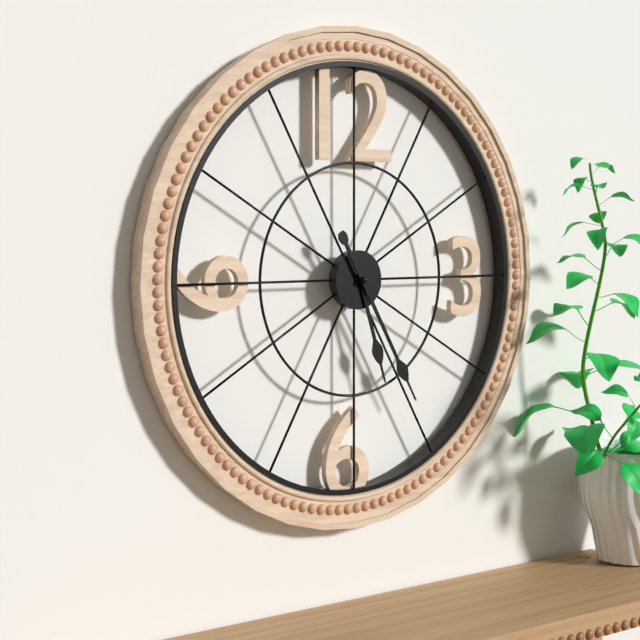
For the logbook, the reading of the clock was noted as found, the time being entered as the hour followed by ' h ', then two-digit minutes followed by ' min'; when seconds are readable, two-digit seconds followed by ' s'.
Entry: 5 h 25 min
